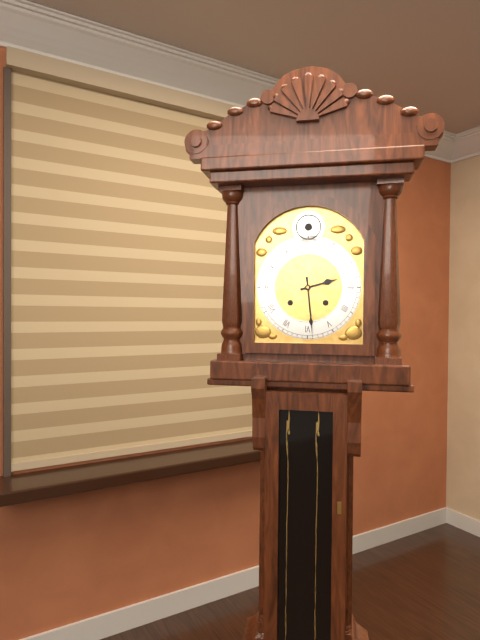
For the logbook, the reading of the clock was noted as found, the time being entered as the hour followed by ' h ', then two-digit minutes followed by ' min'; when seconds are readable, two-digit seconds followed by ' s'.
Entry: 2 h 29 min
